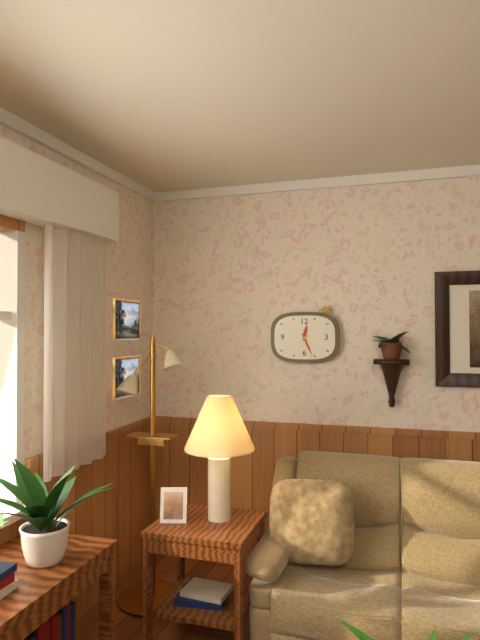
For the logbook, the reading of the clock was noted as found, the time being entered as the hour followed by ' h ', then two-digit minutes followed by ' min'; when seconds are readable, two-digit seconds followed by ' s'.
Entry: 12 h 26 min
